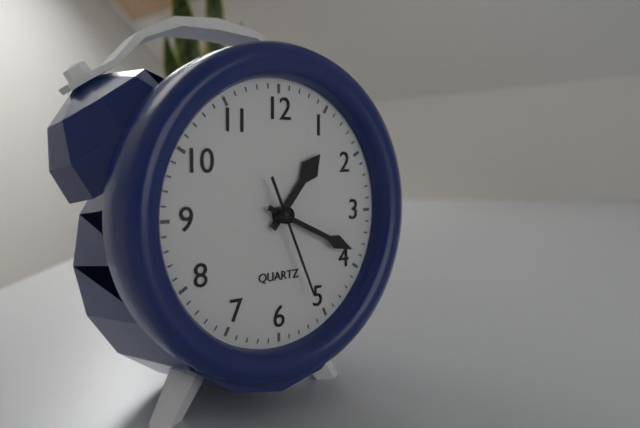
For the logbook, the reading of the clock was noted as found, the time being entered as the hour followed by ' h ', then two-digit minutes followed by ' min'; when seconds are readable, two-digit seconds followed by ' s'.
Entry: 1 h 19 min 26 s
